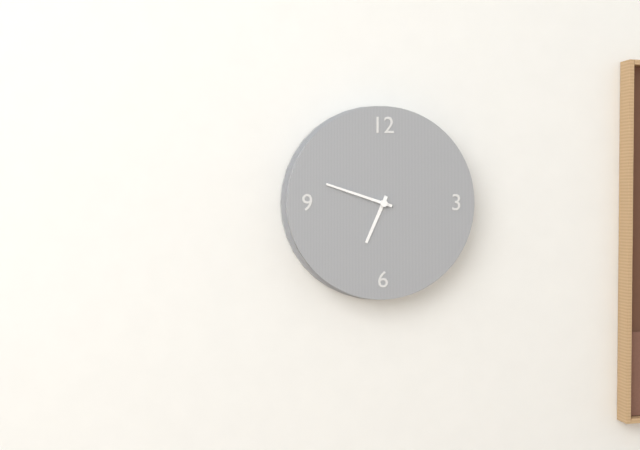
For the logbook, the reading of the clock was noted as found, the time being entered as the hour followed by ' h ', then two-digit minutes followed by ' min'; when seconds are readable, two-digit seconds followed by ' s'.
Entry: 6 h 48 min
